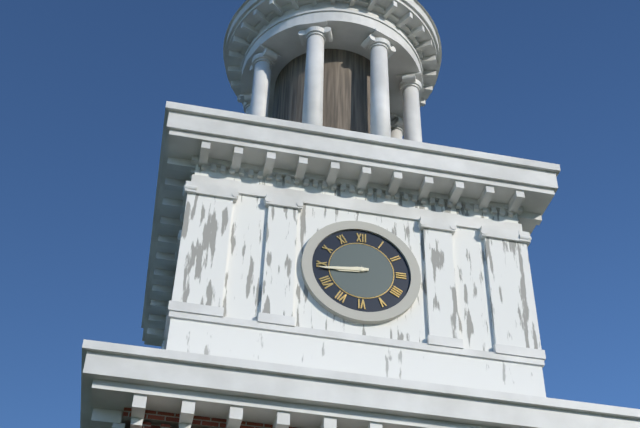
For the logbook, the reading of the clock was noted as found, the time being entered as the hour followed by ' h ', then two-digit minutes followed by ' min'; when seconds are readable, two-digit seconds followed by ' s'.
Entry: 8 h 44 min
